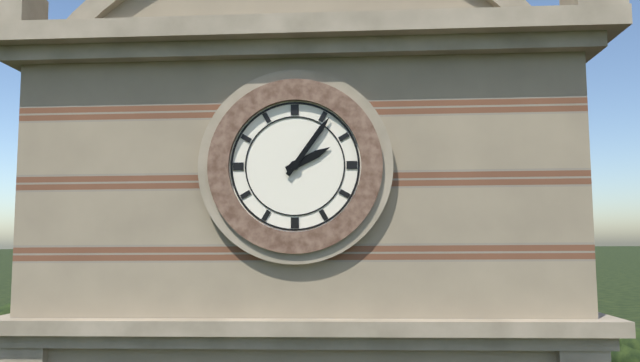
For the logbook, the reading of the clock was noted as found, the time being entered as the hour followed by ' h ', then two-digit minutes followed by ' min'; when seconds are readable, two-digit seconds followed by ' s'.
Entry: 2 h 06 min
